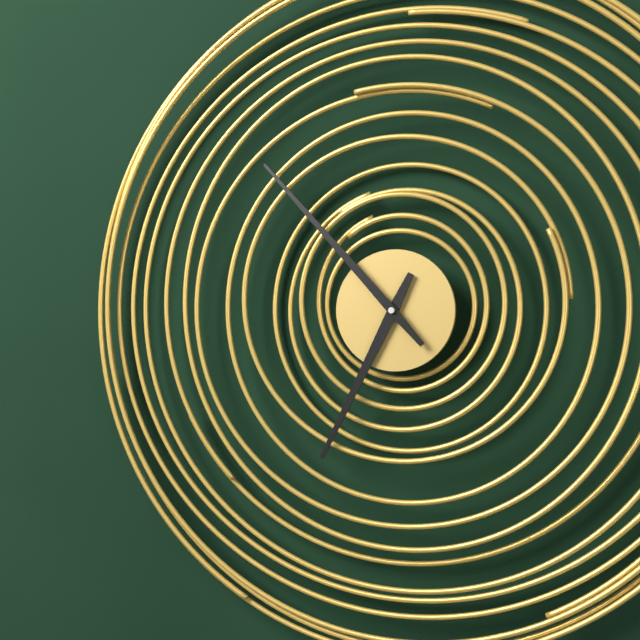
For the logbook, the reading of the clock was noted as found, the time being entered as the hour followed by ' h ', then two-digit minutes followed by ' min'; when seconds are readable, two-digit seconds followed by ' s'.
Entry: 6 h 53 min
